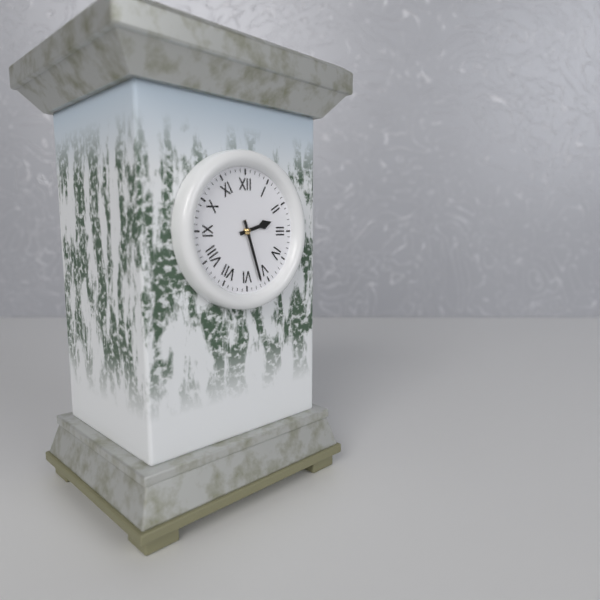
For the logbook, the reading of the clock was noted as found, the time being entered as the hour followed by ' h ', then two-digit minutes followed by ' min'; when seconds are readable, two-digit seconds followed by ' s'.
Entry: 2 h 27 min
